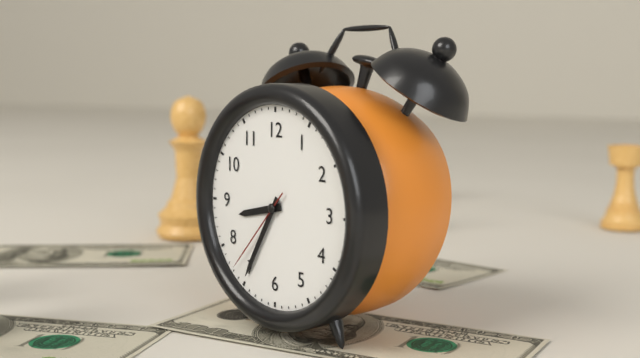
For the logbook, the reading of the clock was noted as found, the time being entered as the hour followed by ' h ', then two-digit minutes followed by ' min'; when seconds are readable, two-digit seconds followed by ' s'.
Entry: 8 h 35 min 37 s
